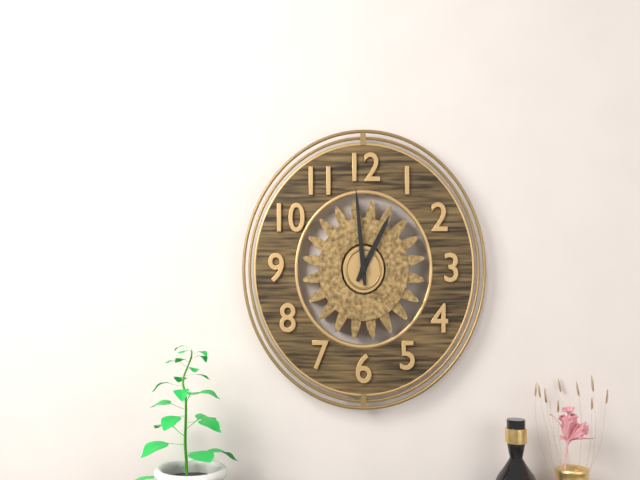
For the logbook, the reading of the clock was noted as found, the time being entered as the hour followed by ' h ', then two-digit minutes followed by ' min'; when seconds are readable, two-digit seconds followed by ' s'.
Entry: 12 h 59 min
